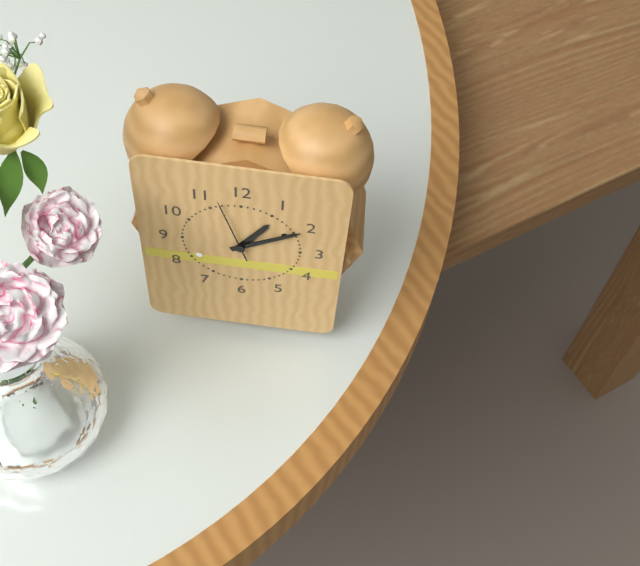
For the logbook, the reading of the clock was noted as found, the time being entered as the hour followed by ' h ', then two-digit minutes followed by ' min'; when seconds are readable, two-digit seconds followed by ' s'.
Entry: 1 h 10 min 57 s
